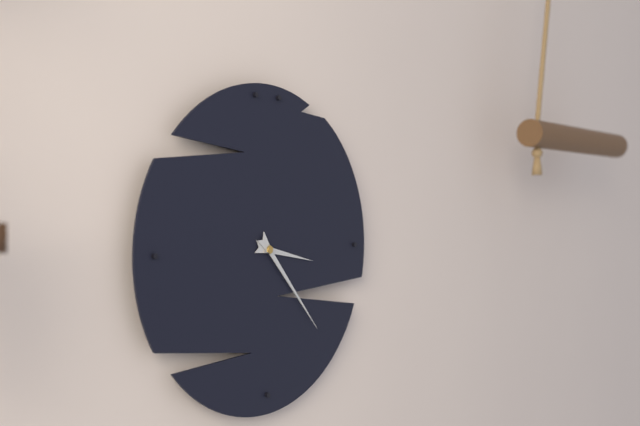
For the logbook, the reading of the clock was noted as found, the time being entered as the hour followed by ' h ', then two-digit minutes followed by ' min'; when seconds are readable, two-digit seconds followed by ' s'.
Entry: 3 h 23 min
